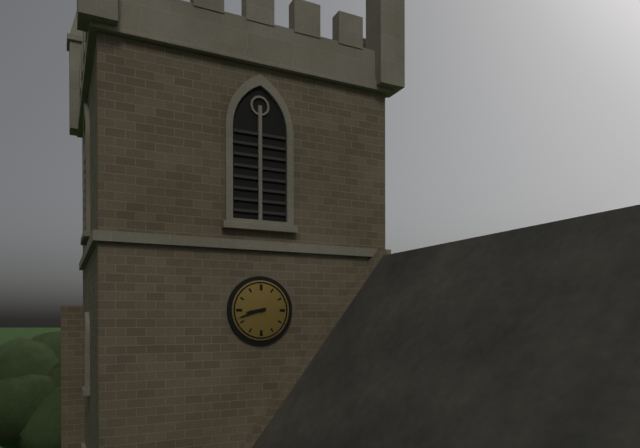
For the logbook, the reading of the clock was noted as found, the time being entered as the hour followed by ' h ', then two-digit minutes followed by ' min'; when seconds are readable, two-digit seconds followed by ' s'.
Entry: 8 h 42 min
